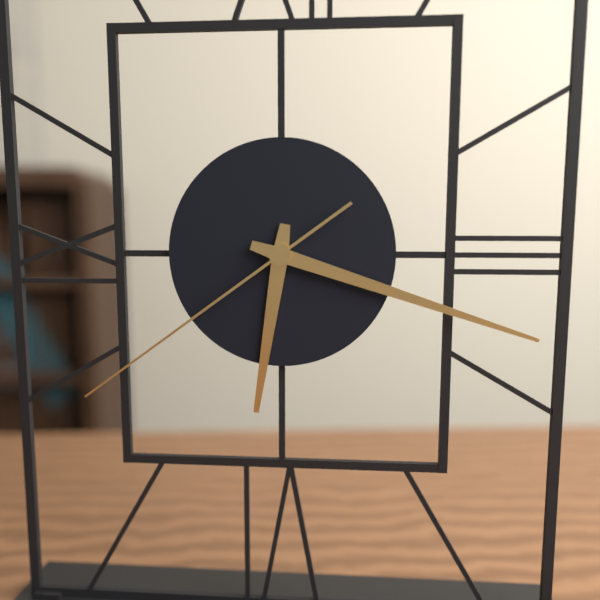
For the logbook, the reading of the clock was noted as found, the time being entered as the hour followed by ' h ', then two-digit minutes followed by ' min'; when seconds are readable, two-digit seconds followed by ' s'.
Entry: 6 h 18 min 39 s
